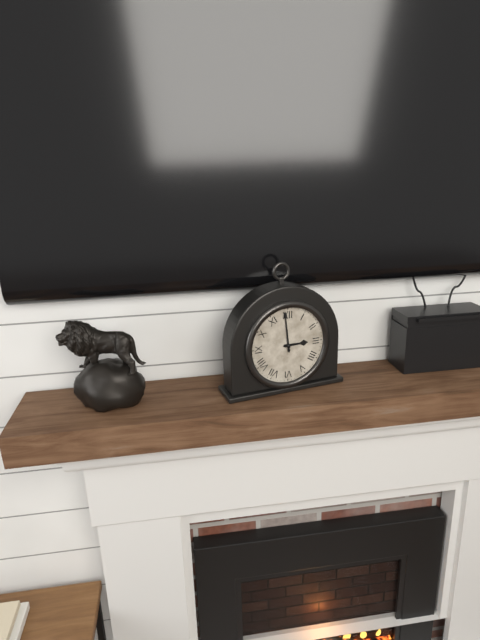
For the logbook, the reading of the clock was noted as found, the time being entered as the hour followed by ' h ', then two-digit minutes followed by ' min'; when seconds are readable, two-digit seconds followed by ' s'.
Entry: 2 h 59 min
